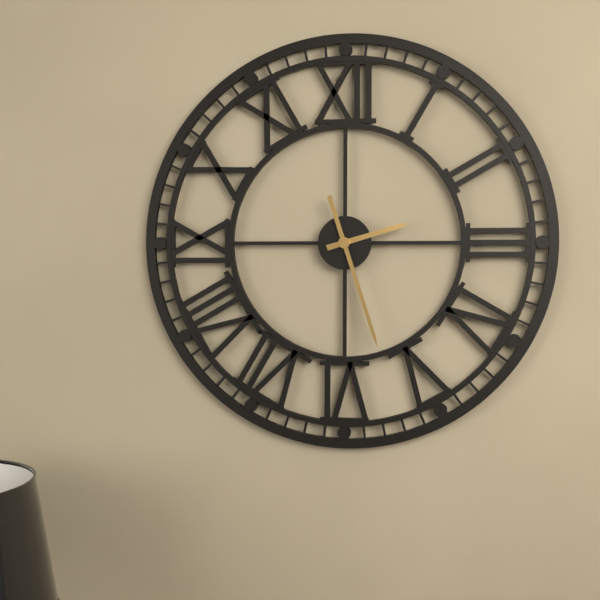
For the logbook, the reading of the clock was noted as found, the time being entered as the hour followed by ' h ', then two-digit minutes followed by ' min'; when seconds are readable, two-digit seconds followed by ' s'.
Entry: 2 h 27 min
